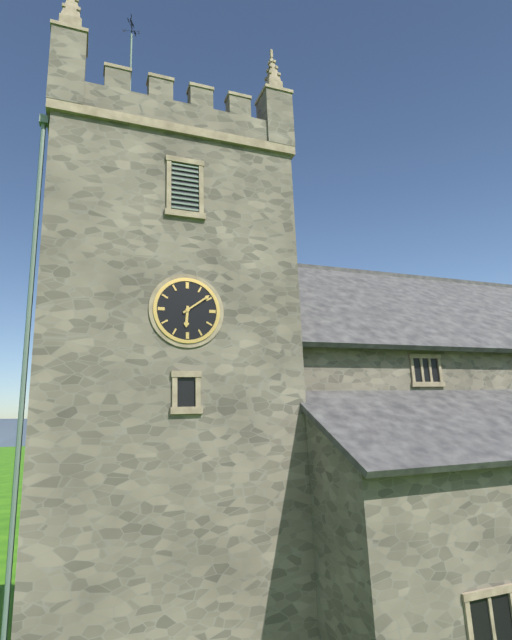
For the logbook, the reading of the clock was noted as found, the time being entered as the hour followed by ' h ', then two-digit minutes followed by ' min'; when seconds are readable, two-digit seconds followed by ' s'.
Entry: 6 h 09 min
